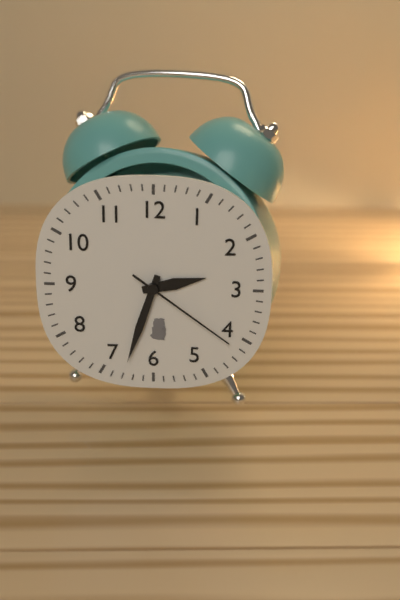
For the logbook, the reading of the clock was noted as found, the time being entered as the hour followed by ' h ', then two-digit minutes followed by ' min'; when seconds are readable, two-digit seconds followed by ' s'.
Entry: 2 h 33 min 21 s
